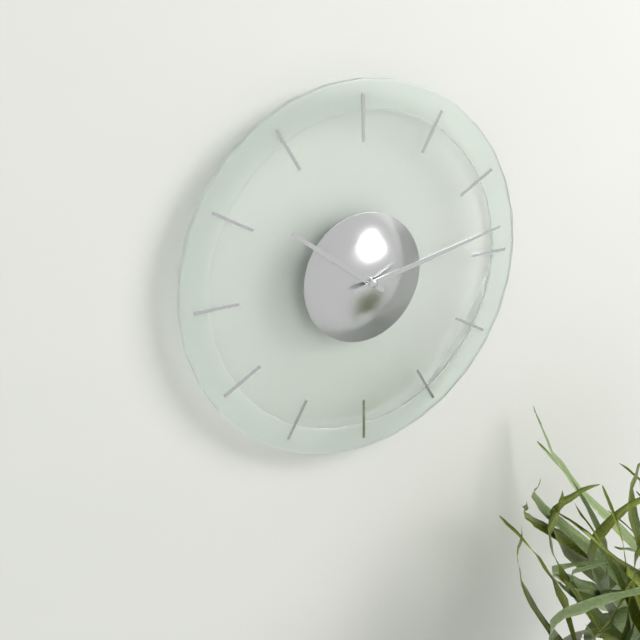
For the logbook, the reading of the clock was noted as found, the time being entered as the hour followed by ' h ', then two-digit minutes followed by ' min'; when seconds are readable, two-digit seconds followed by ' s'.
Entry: 10 h 13 min
